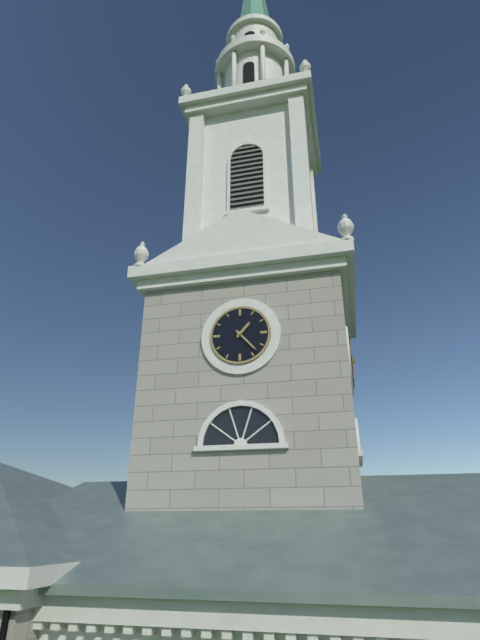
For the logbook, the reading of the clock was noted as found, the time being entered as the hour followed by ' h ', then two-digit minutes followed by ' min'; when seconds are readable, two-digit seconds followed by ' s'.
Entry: 1 h 23 min
